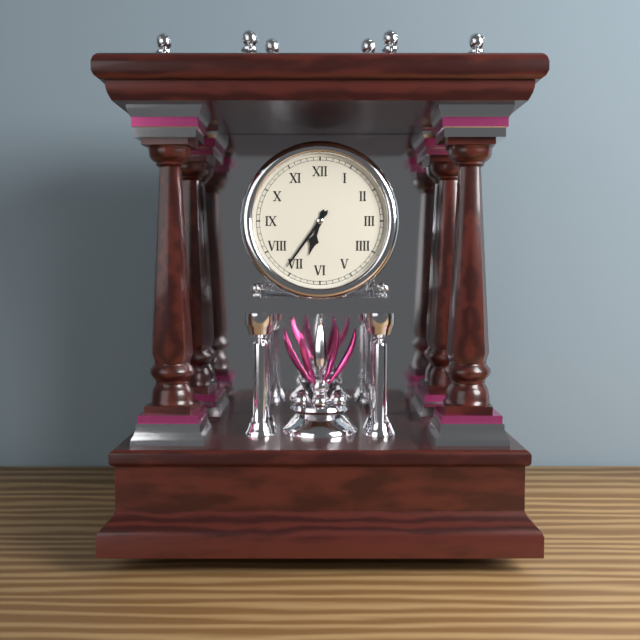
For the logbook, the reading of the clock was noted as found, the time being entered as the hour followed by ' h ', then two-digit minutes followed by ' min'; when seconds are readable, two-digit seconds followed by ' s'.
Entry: 6 h 36 min
